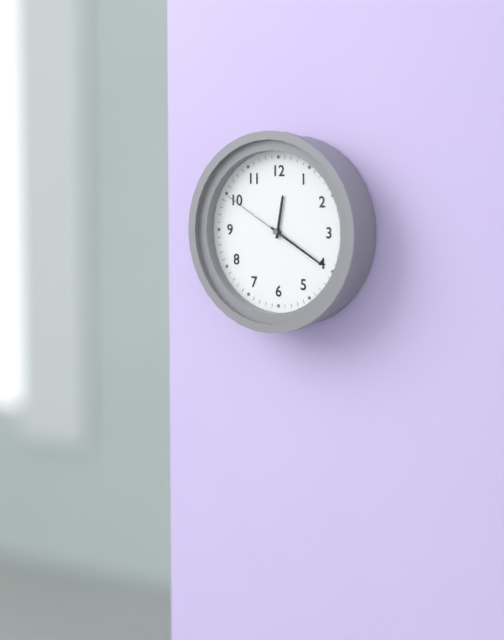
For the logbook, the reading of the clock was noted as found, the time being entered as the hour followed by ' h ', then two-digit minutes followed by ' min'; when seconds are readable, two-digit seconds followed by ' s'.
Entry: 12 h 20 min 50 s
